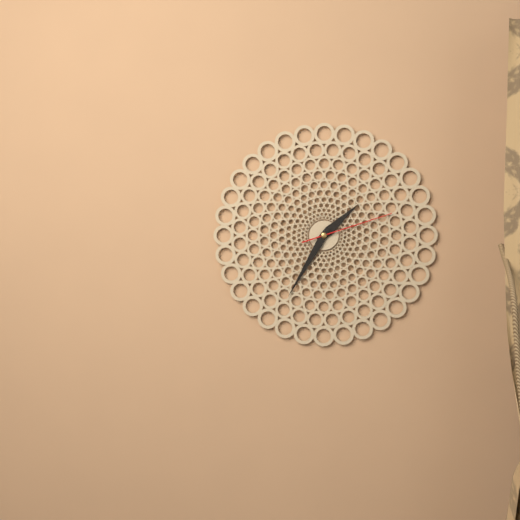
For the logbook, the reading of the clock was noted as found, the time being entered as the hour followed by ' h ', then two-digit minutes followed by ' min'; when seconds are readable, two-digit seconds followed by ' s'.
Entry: 1 h 35 min 12 s
